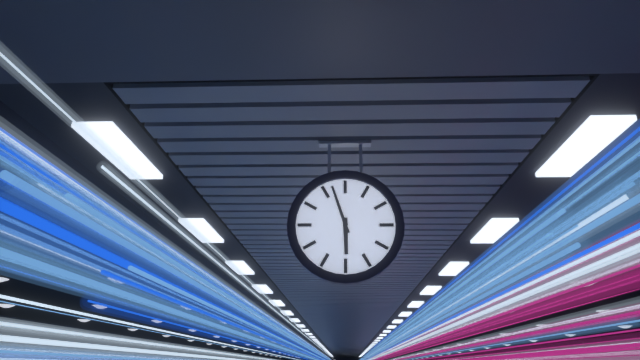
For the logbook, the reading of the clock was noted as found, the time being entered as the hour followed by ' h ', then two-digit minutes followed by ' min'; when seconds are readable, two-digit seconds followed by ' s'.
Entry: 5 h 57 min
